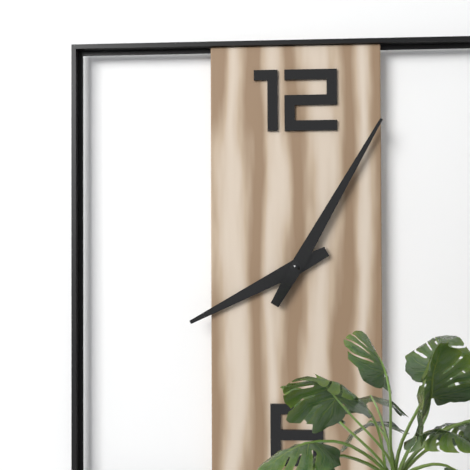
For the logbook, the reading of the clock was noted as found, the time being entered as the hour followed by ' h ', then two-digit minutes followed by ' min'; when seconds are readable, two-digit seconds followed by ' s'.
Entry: 8 h 05 min
